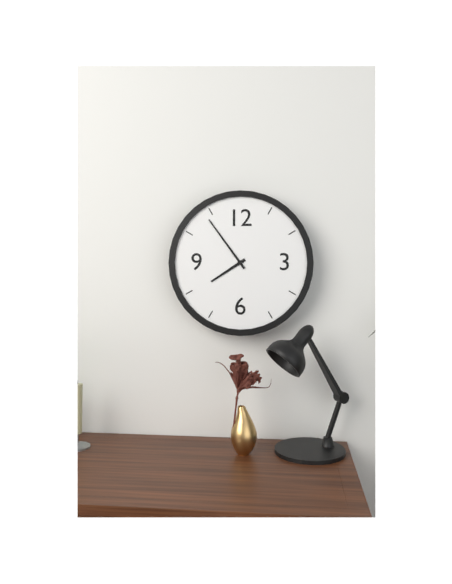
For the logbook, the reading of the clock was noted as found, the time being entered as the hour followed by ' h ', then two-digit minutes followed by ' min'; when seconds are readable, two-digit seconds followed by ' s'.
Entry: 7 h 54 min
